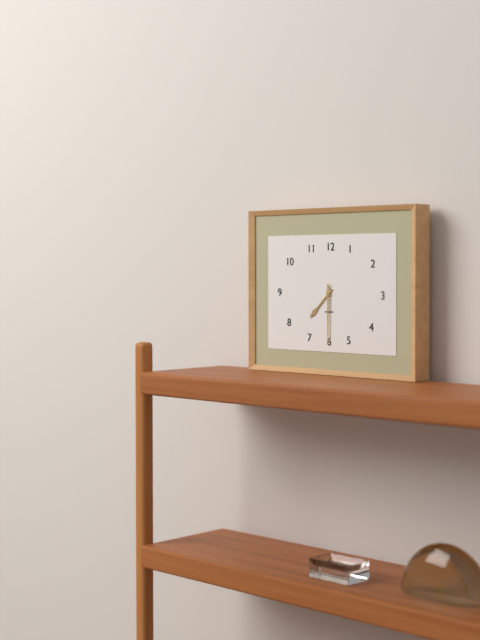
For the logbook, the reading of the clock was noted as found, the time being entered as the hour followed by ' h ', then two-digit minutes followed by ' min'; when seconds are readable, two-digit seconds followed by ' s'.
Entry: 7 h 30 min
